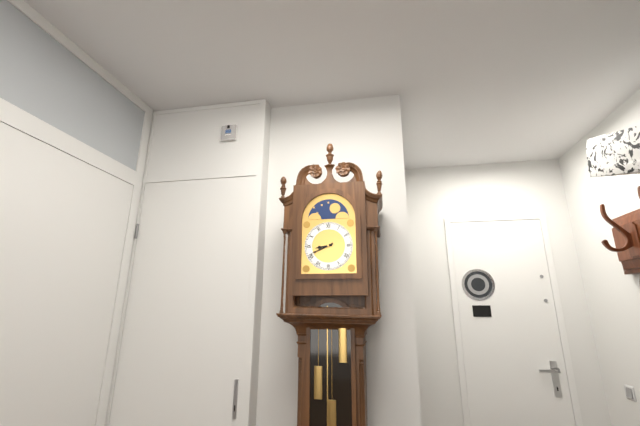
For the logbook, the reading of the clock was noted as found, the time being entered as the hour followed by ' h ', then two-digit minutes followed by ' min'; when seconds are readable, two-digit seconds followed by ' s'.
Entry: 8 h 41 min
